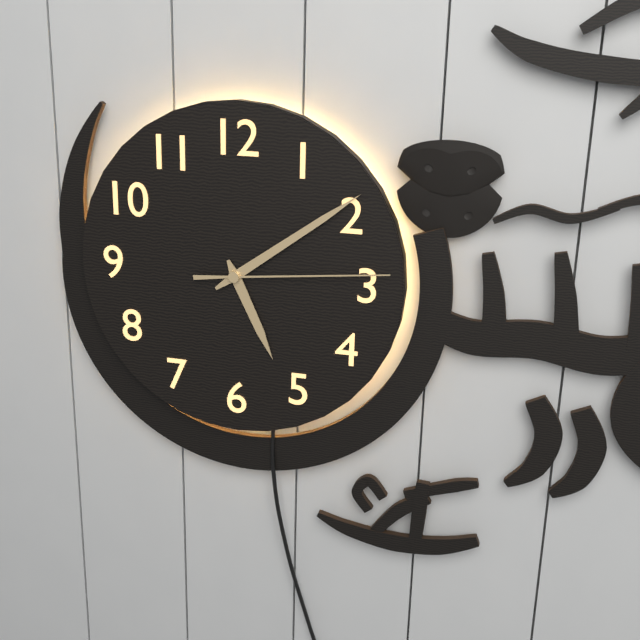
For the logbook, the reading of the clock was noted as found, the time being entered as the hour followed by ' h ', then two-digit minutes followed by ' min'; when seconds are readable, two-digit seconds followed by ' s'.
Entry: 5 h 09 min 14 s
